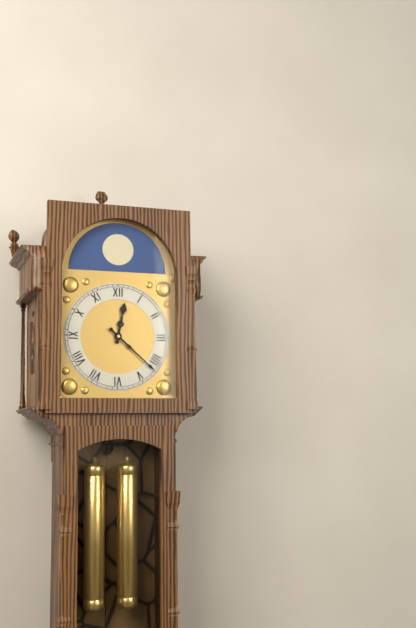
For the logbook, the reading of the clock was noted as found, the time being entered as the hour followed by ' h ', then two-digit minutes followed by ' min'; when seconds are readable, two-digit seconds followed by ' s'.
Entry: 12 h 22 min
